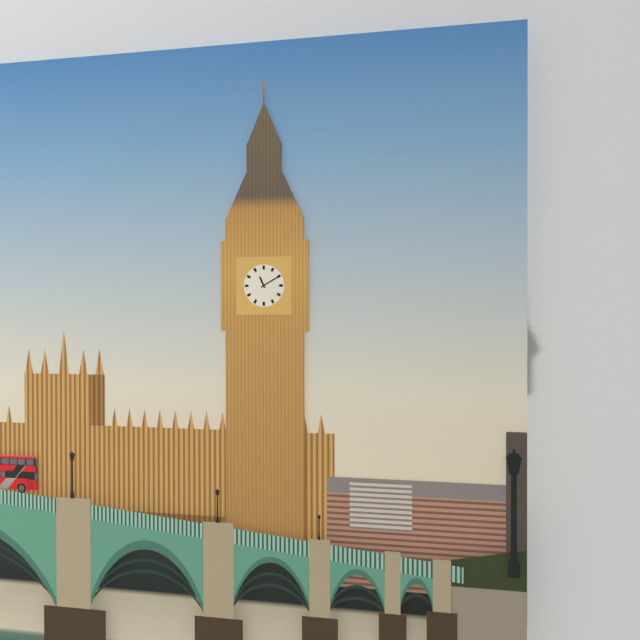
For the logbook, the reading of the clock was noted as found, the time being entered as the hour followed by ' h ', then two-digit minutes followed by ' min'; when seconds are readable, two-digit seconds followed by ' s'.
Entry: 11 h 10 min
